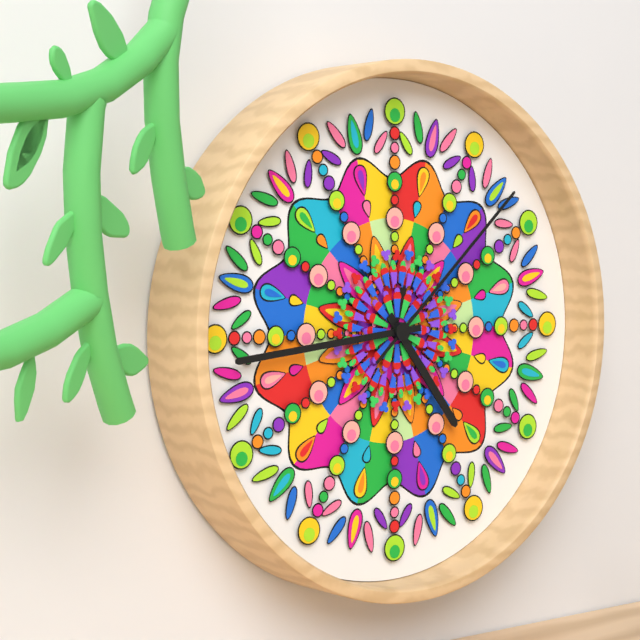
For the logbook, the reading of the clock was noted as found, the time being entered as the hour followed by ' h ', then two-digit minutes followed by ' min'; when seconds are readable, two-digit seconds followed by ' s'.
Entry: 4 h 44 min 08 s
